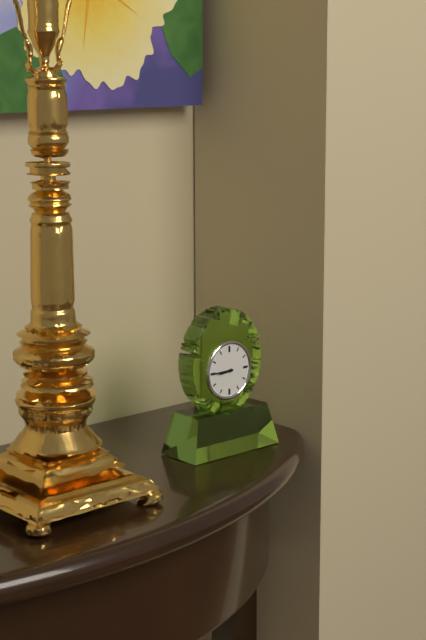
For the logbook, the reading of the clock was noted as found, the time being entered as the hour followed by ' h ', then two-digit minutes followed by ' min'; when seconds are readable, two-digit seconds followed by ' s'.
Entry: 8 h 45 min
